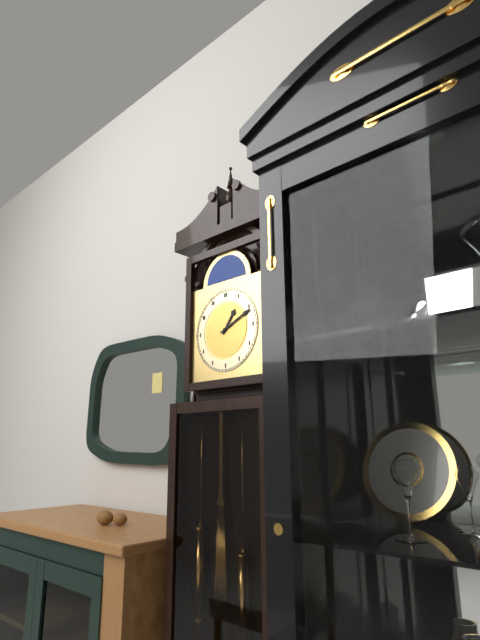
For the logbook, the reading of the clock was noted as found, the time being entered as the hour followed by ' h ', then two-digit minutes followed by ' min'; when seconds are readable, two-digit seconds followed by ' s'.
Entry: 1 h 11 min
